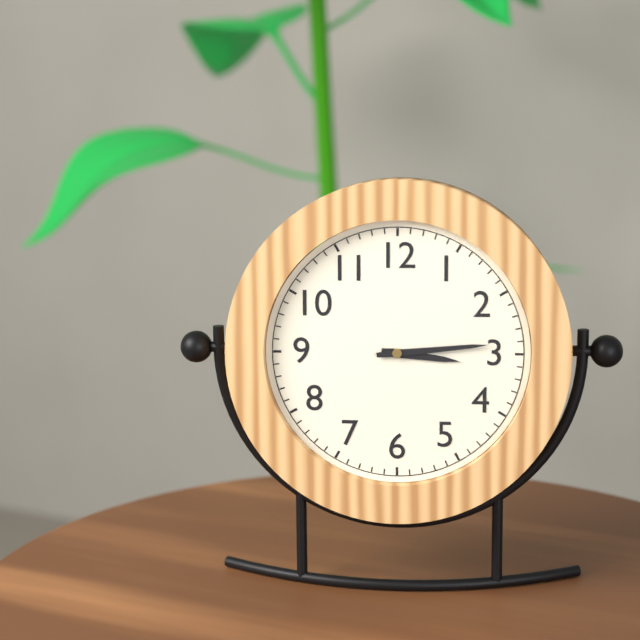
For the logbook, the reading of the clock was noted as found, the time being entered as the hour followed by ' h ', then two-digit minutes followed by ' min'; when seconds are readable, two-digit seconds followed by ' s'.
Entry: 3 h 14 min
